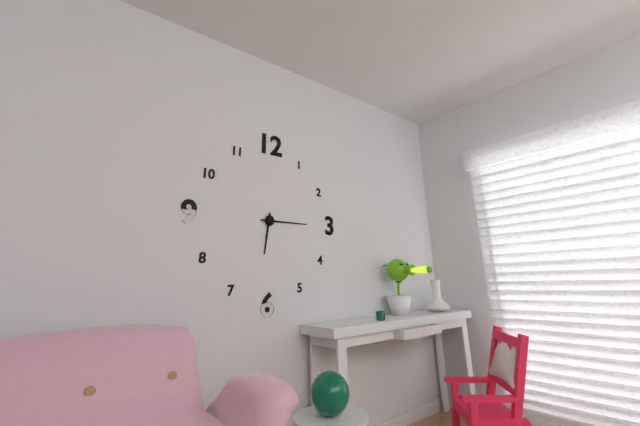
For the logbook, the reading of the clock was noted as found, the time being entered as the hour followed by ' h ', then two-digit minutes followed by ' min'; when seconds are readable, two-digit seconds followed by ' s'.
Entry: 6 h 15 min
